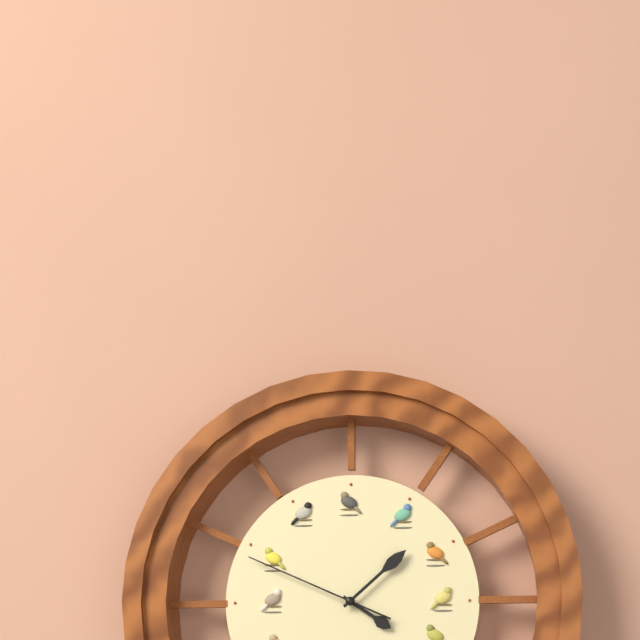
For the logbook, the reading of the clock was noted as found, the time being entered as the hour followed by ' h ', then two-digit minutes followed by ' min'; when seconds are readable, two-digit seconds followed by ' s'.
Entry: 4 h 08 min 49 s
